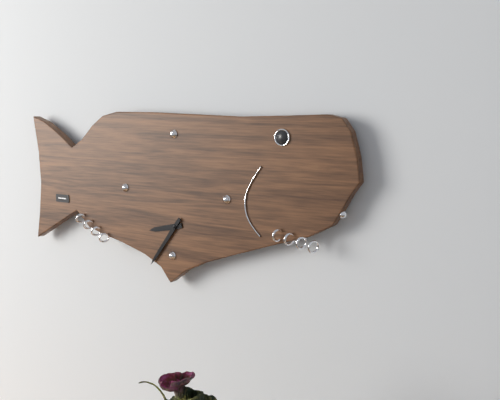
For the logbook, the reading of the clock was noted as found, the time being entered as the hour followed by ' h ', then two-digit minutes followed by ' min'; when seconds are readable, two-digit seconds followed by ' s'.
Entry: 8 h 36 min
